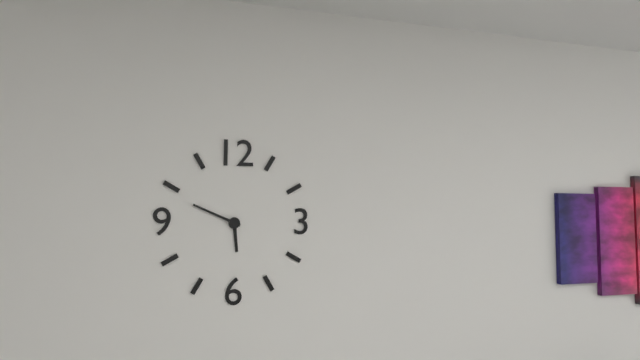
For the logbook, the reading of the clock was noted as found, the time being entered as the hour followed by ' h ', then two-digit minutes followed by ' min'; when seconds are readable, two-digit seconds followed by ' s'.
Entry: 5 h 49 min
